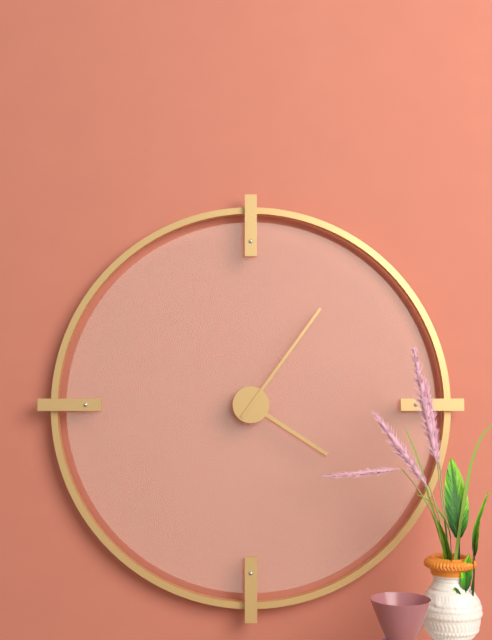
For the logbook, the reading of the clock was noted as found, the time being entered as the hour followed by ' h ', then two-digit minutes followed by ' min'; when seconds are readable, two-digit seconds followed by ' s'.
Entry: 4 h 06 min
